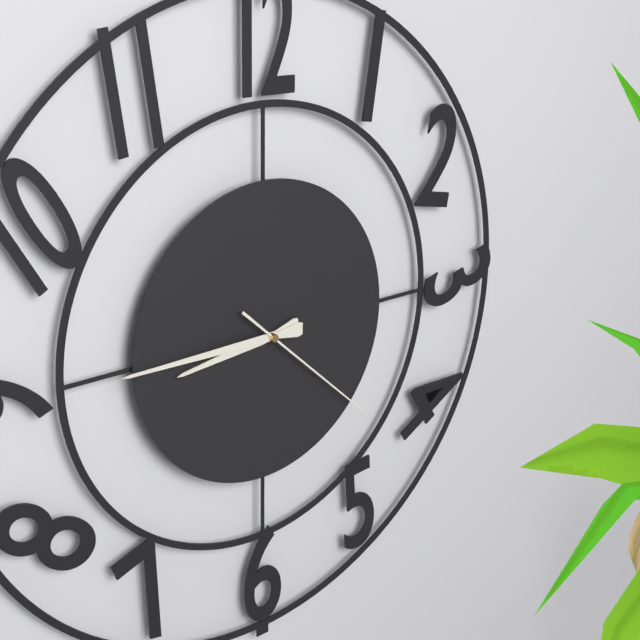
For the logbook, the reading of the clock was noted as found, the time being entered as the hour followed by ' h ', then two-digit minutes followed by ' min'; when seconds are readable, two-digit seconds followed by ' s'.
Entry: 8 h 45 min 22 s
